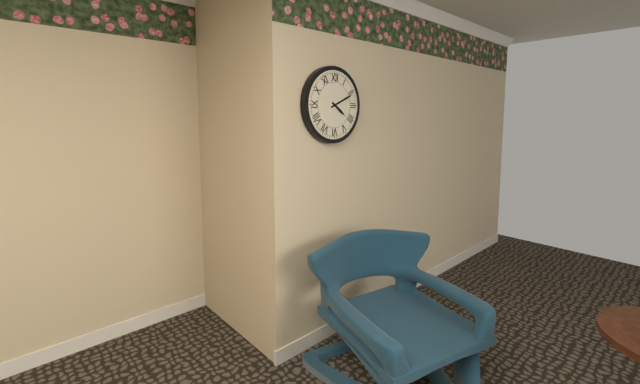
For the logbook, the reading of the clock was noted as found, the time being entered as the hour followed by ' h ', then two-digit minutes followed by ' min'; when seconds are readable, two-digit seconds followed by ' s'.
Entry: 4 h 11 min
